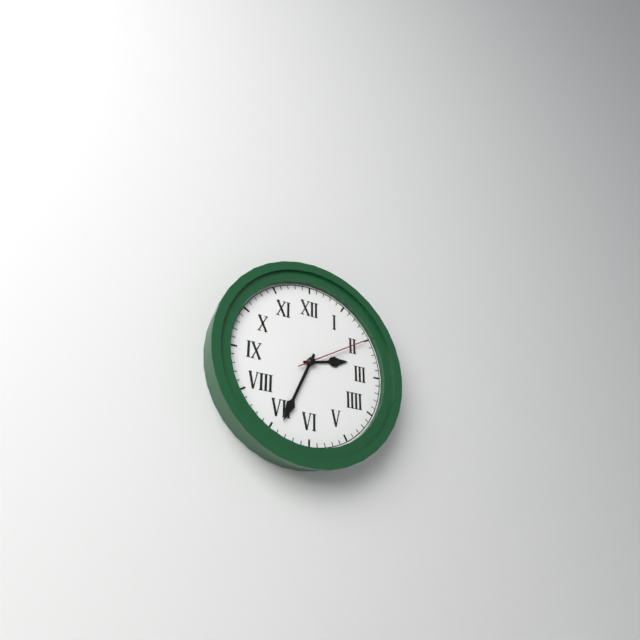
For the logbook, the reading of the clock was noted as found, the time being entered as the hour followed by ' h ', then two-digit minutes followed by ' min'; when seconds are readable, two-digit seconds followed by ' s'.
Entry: 2 h 34 min 10 s
